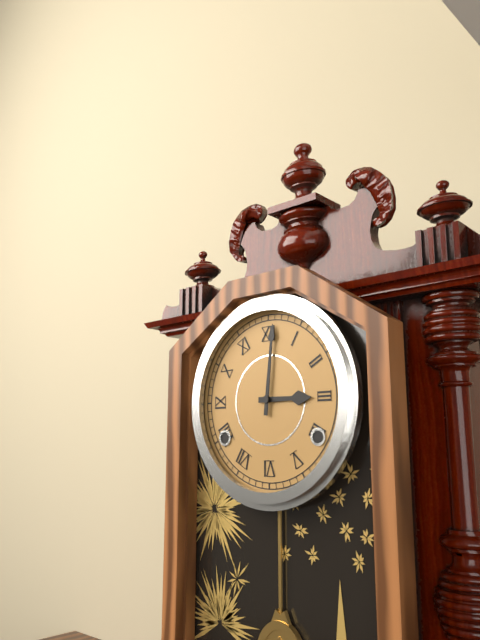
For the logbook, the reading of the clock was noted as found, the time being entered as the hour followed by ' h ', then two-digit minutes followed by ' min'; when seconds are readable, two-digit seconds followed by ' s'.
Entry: 3 h 01 min
